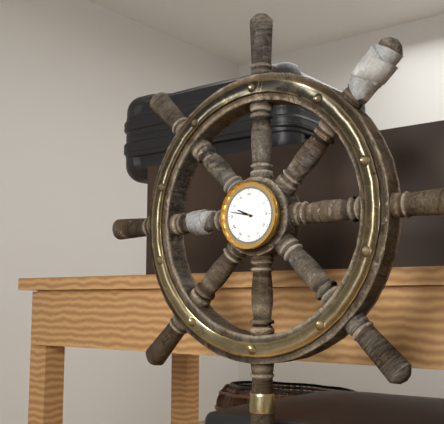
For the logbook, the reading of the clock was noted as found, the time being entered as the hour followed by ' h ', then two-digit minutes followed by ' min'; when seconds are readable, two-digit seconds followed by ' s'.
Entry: 9 h 47 min
